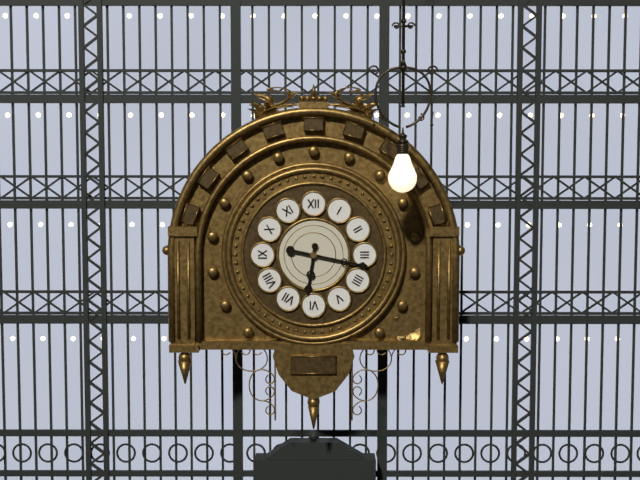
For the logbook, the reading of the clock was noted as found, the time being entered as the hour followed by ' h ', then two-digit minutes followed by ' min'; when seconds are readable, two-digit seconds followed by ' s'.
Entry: 6 h 17 min
